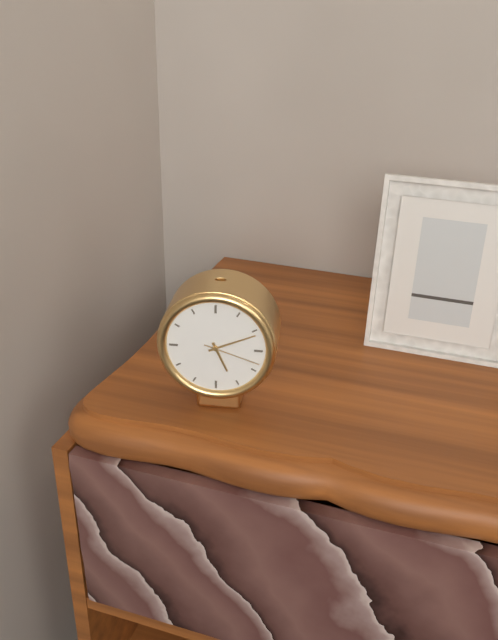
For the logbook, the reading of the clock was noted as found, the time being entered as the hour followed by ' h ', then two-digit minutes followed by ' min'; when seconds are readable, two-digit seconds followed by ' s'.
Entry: 5 h 11 min 18 s
